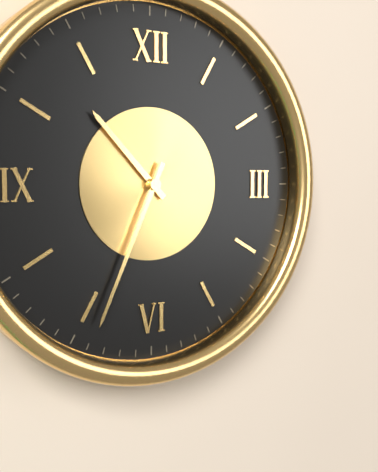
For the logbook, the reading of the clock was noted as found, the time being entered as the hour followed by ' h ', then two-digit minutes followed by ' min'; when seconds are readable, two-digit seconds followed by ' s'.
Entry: 10 h 34 min
